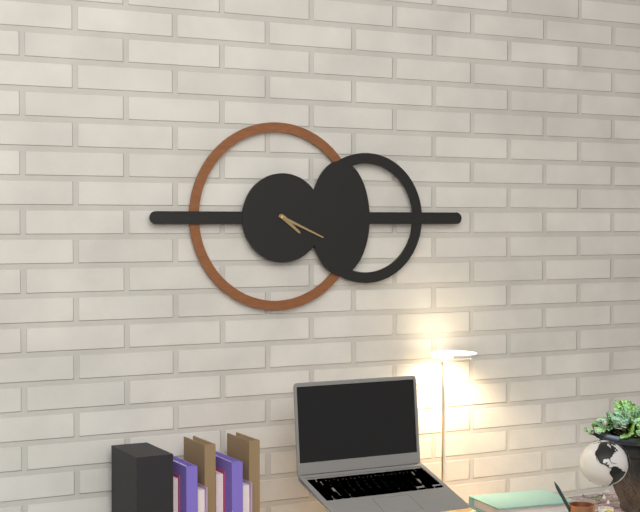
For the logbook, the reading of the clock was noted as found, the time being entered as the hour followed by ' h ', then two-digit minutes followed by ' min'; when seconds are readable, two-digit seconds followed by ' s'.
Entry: 4 h 19 min
